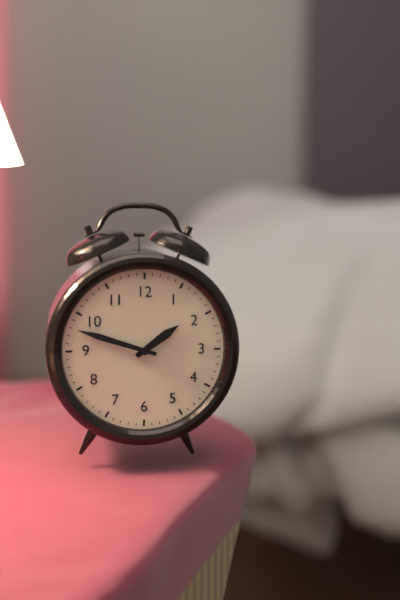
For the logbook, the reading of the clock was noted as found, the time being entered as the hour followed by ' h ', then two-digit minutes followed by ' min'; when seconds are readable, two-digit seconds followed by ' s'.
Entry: 1 h 48 min
